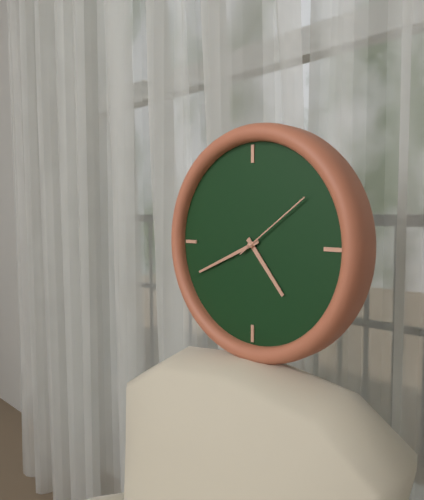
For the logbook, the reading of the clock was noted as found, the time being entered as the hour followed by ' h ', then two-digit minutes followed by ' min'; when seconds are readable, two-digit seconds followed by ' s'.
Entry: 4 h 41 min 09 s
